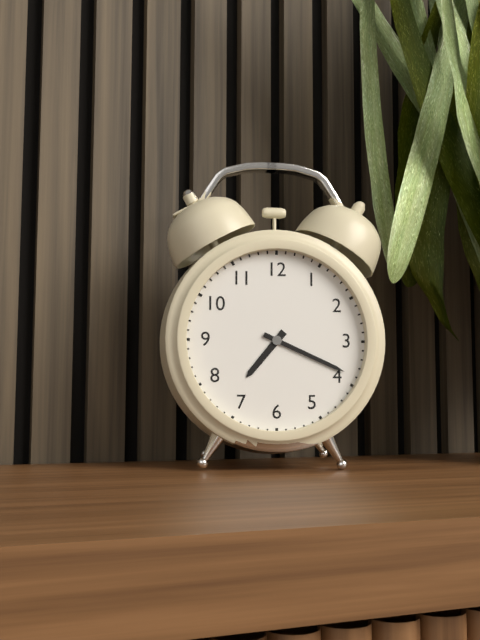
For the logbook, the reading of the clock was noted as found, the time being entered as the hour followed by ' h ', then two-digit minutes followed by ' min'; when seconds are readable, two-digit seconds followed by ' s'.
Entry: 7 h 19 min
